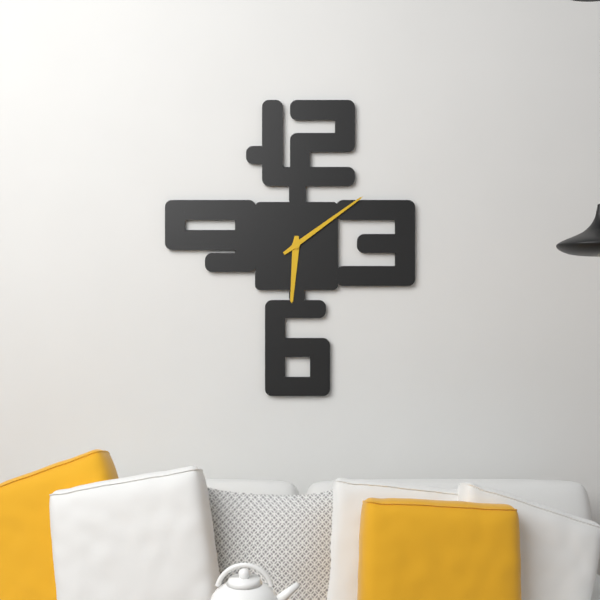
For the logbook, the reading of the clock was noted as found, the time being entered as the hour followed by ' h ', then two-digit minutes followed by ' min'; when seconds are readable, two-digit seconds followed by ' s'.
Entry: 6 h 09 min
